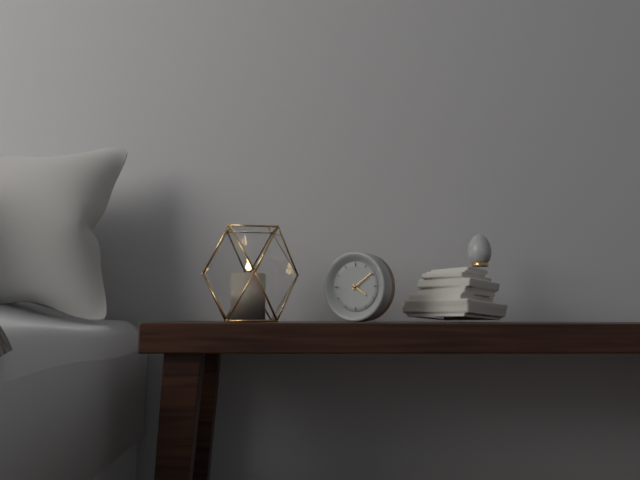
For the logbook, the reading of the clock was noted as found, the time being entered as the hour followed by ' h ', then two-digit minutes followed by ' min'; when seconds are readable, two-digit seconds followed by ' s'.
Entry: 4 h 09 min
